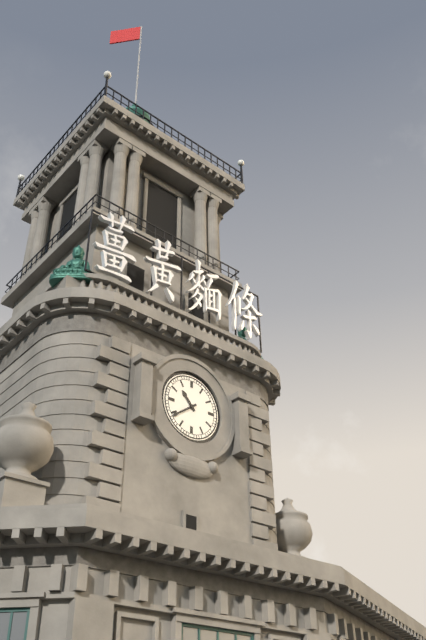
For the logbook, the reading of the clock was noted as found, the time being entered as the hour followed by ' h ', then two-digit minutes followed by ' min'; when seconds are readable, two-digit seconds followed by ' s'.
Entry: 10 h 39 min
